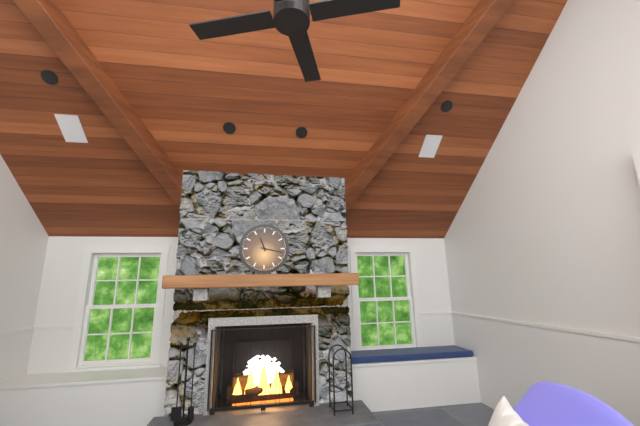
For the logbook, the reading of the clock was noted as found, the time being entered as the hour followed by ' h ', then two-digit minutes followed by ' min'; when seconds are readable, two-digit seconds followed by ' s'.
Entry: 11 h 17 min
